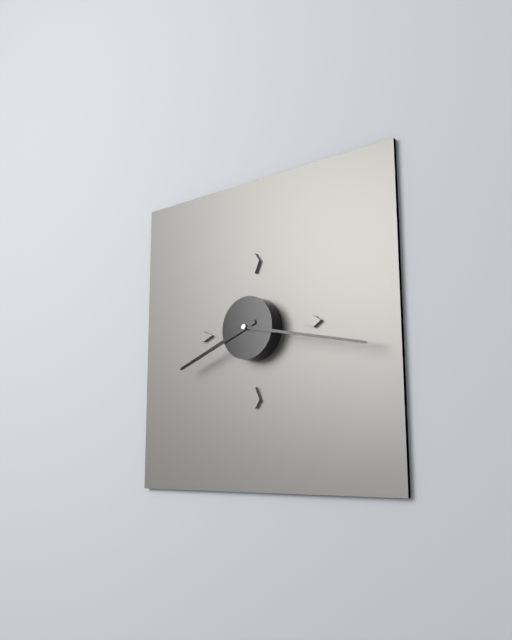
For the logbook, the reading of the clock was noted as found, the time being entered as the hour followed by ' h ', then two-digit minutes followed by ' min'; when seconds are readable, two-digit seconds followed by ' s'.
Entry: 8 h 17 min
